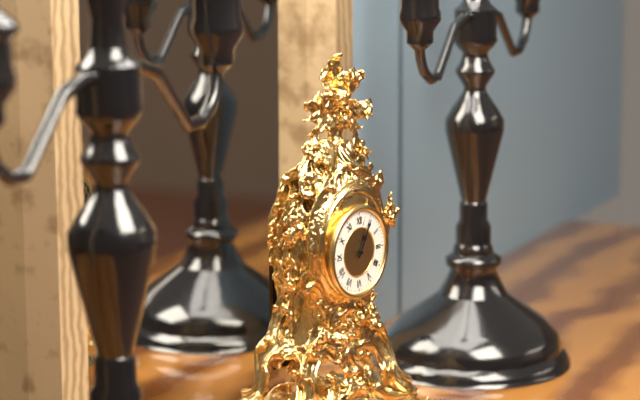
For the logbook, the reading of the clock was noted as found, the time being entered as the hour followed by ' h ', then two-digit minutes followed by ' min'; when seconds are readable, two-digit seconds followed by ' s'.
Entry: 1 h 05 min
